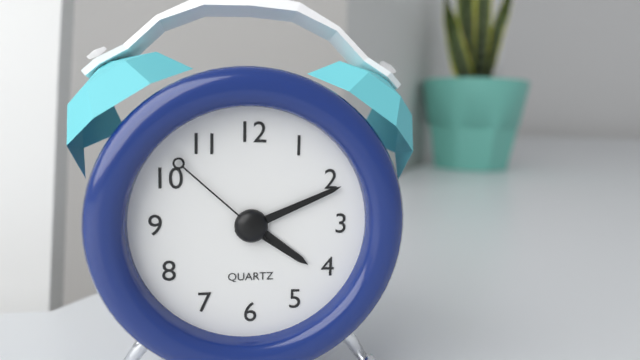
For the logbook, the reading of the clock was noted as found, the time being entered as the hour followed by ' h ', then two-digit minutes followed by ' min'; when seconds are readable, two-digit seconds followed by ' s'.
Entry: 4 h 11 min 52 s
